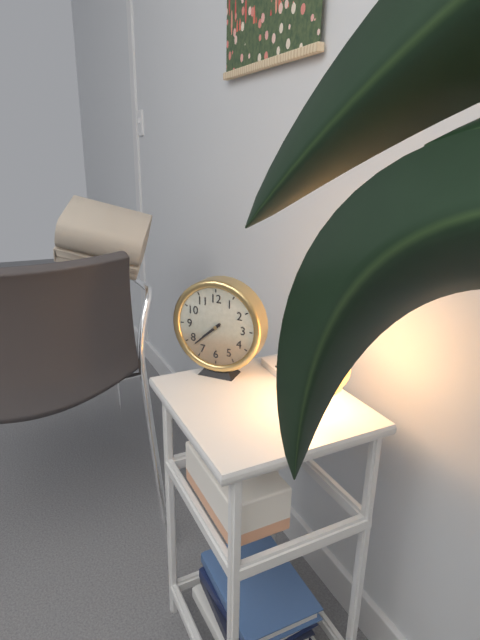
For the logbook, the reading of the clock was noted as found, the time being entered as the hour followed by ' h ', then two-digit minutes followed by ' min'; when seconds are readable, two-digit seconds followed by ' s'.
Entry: 7 h 38 min
